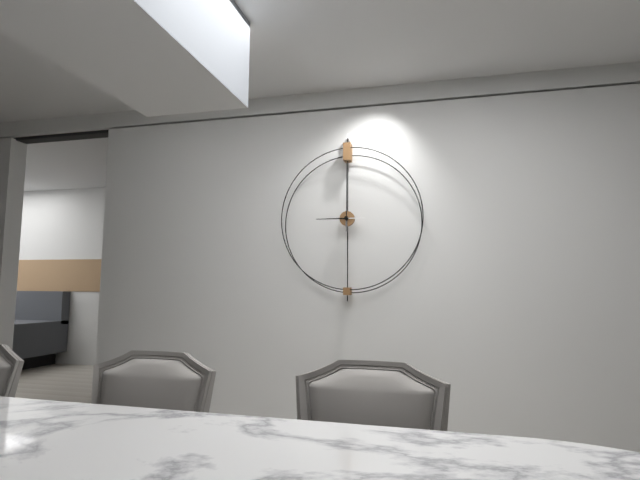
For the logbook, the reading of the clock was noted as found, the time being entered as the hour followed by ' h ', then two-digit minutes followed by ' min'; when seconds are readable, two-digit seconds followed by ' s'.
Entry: 9 h 00 min
